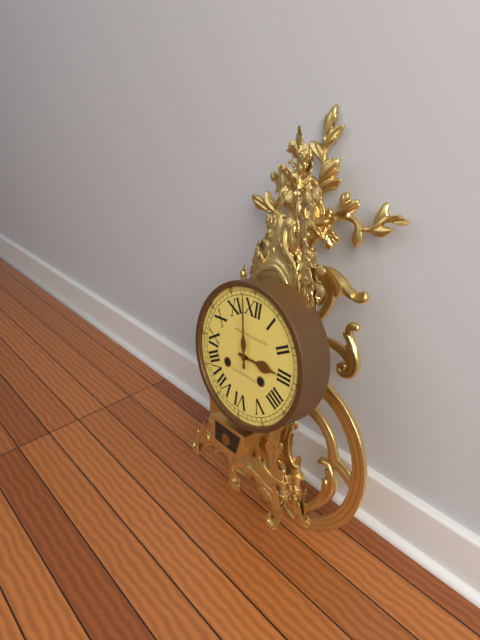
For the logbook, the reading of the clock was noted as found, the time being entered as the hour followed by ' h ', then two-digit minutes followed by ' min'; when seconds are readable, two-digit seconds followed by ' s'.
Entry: 2 h 58 min
